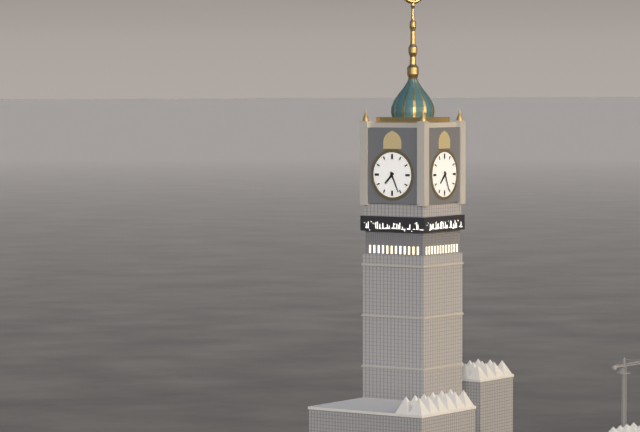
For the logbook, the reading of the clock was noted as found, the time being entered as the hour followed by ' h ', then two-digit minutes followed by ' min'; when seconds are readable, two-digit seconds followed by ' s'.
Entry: 7 h 26 min
